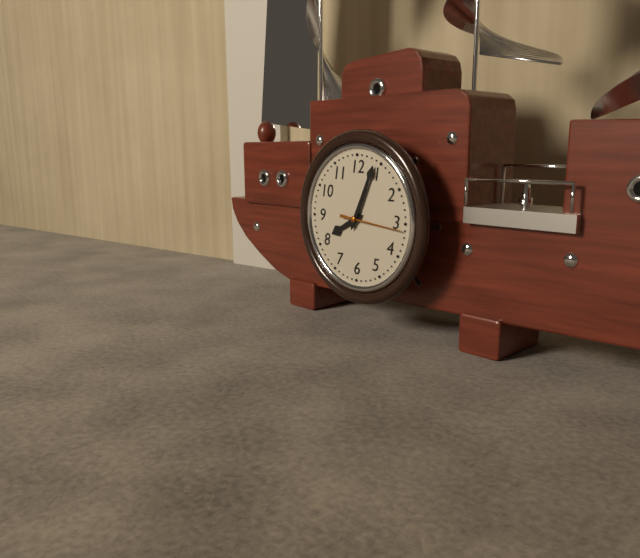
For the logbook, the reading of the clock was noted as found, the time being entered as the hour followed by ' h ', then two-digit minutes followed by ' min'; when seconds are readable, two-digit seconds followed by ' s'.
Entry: 8 h 04 min 16 s
